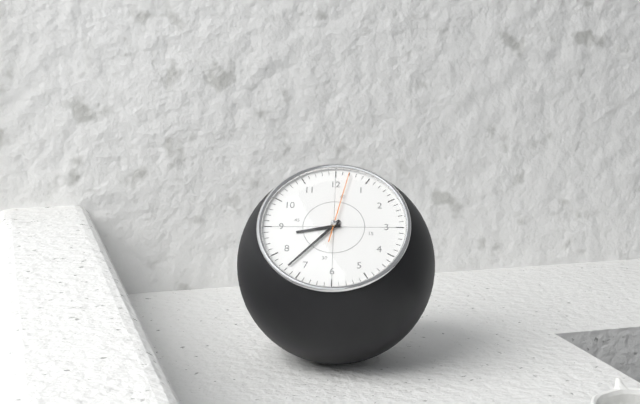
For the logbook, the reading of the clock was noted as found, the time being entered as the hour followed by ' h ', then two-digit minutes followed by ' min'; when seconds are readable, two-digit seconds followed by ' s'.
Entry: 8 h 37 min 02 s
